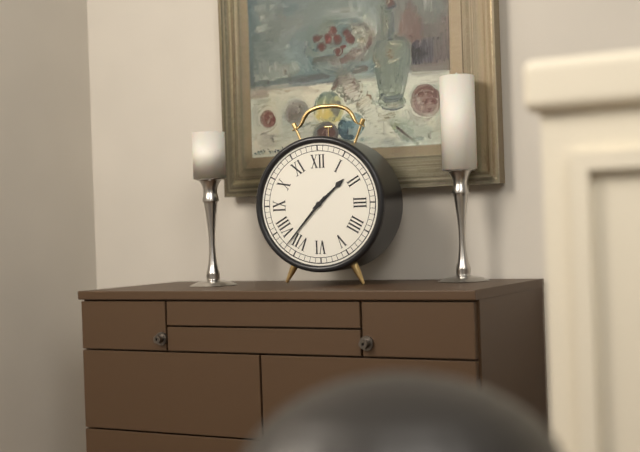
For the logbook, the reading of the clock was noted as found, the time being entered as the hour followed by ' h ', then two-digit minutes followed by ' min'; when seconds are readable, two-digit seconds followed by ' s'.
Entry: 1 h 37 min
